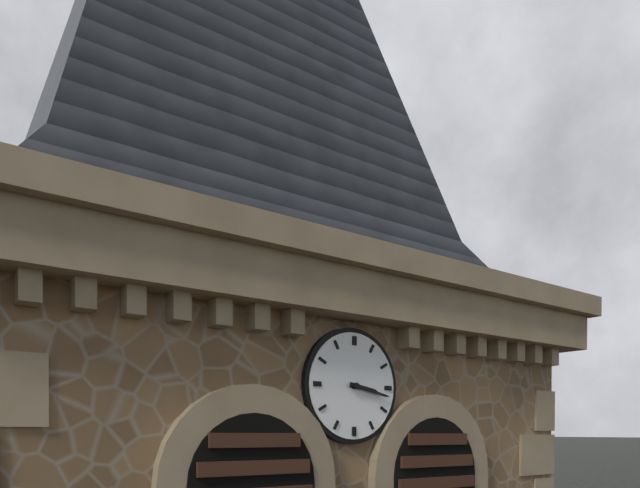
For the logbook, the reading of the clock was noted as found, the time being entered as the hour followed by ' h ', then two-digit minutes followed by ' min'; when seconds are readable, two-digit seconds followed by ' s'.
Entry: 3 h 17 min
